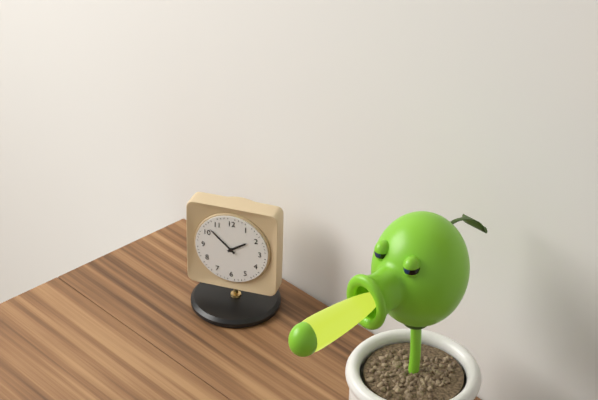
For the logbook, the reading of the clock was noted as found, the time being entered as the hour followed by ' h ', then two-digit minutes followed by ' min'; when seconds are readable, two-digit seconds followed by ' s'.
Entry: 1 h 52 min
